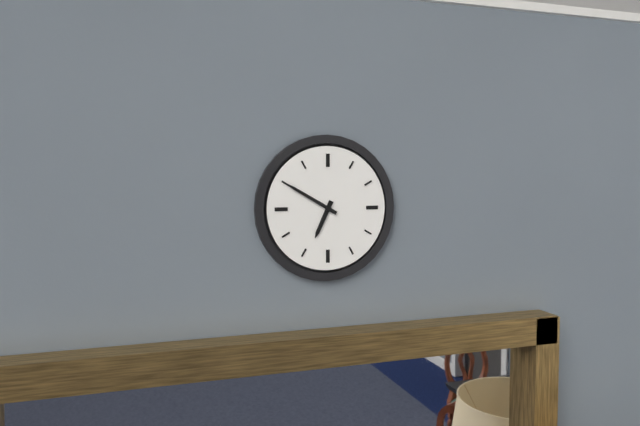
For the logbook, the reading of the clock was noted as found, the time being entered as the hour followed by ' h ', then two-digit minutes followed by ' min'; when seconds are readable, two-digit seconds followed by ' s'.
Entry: 6 h 50 min
